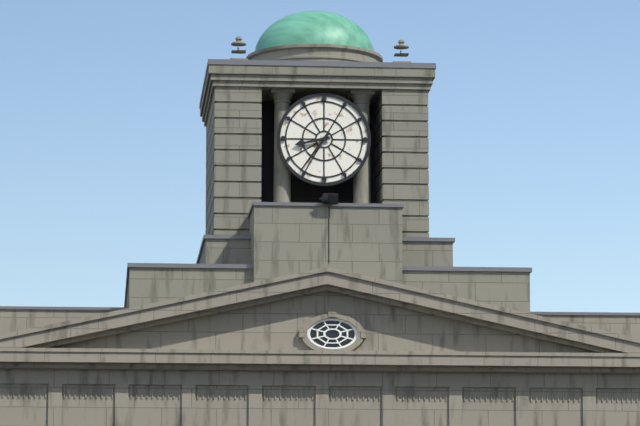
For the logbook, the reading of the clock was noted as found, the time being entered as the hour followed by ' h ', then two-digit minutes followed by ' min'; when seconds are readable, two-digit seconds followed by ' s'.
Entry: 8 h 36 min
